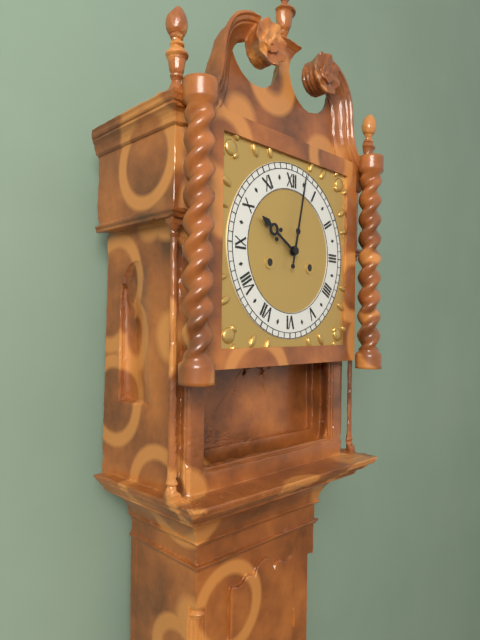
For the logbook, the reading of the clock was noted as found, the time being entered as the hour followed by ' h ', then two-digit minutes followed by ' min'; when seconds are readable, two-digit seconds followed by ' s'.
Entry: 10 h 02 min
